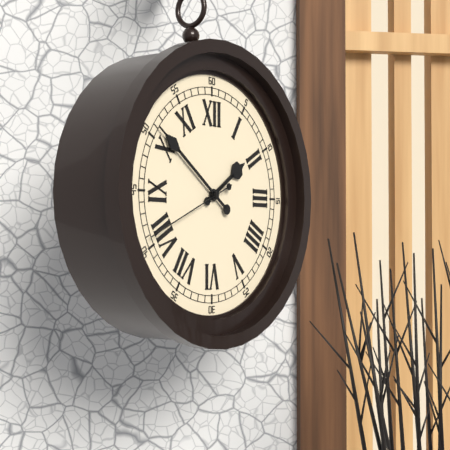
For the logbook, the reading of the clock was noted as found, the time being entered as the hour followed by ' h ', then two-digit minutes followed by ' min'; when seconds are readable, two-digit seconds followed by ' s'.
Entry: 1 h 51 min 41 s
